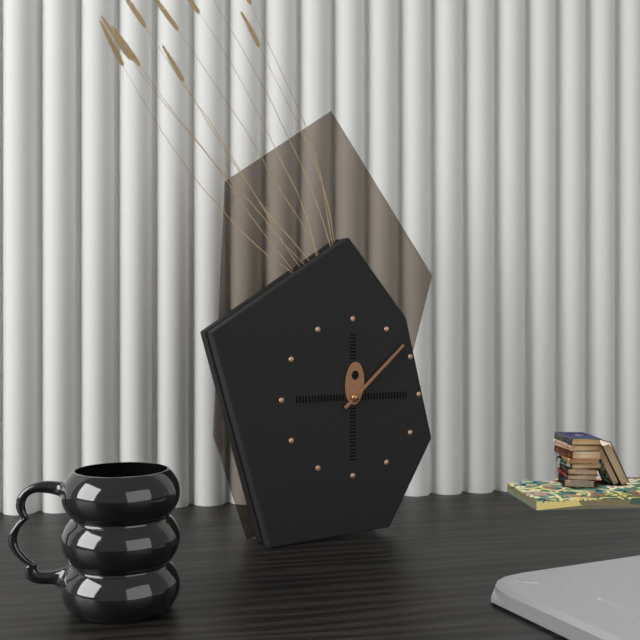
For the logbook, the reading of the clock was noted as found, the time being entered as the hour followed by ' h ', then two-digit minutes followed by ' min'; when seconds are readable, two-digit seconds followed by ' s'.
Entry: 12 h 08 min
